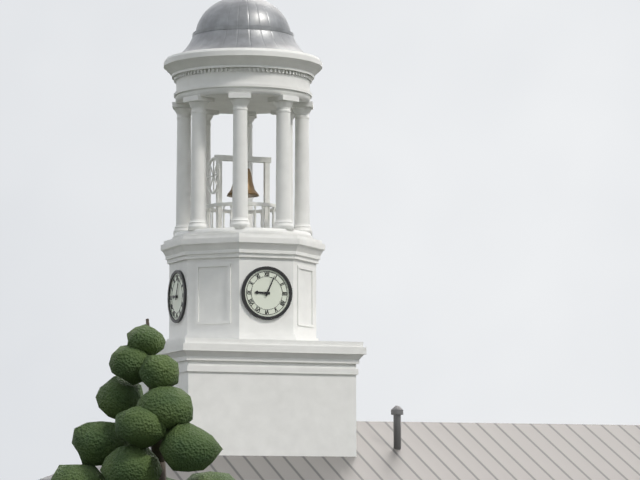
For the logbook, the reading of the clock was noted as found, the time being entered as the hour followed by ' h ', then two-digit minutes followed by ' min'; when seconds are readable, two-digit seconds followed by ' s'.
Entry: 9 h 04 min
